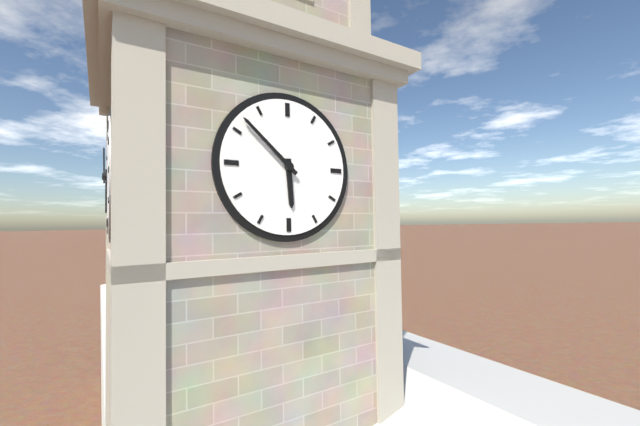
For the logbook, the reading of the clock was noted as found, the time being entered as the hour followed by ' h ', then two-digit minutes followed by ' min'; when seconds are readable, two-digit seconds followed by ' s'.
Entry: 5 h 52 min
